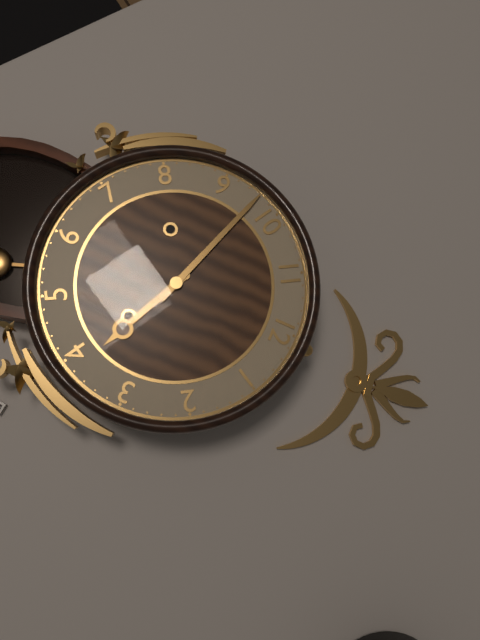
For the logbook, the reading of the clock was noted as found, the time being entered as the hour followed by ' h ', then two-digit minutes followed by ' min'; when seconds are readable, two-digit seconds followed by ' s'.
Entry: 3 h 48 min
